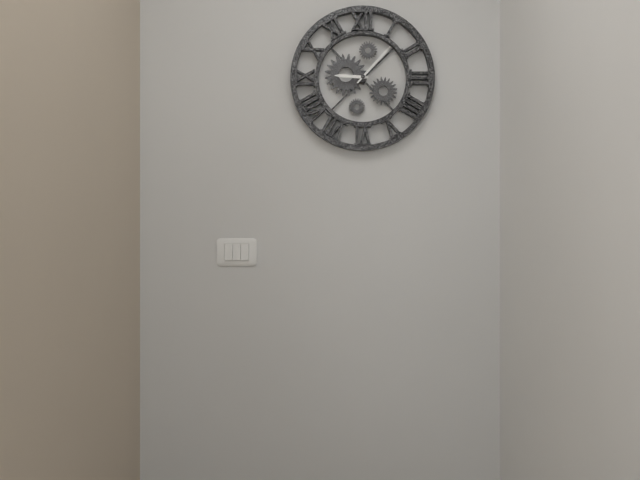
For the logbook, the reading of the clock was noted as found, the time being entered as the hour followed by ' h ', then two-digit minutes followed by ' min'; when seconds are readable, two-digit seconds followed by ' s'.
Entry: 9 h 07 min
